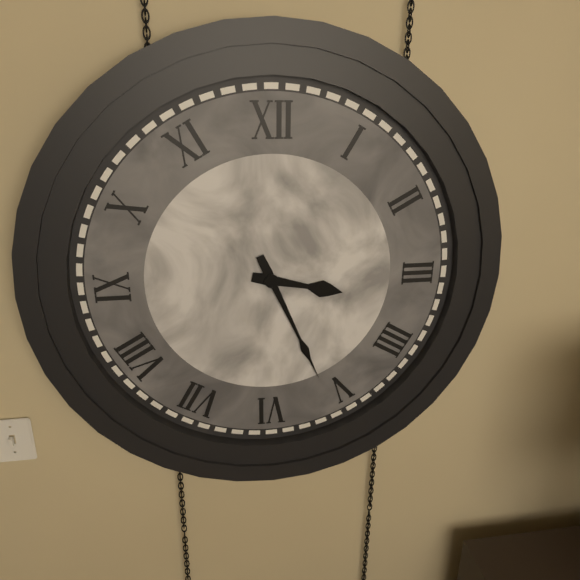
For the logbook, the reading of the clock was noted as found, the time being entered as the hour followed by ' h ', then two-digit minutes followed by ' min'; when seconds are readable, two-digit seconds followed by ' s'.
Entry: 3 h 26 min
